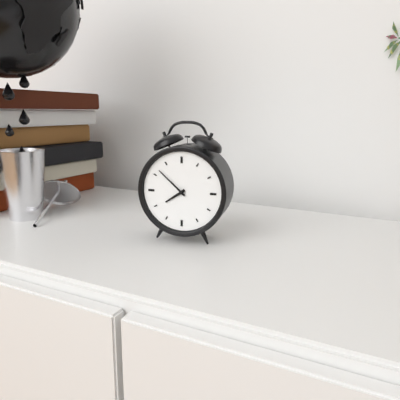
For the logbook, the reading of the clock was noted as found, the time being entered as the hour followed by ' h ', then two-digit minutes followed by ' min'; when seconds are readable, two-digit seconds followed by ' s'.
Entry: 7 h 52 min
